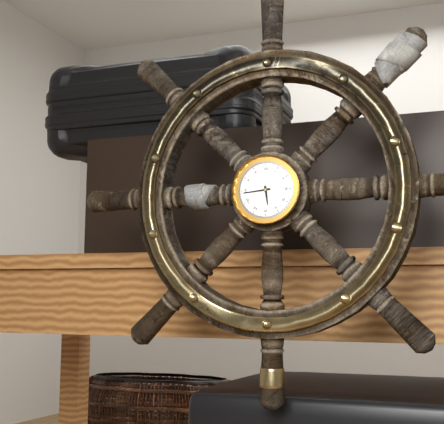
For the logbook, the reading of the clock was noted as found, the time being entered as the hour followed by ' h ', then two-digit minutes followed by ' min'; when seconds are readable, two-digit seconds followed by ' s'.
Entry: 5 h 44 min
